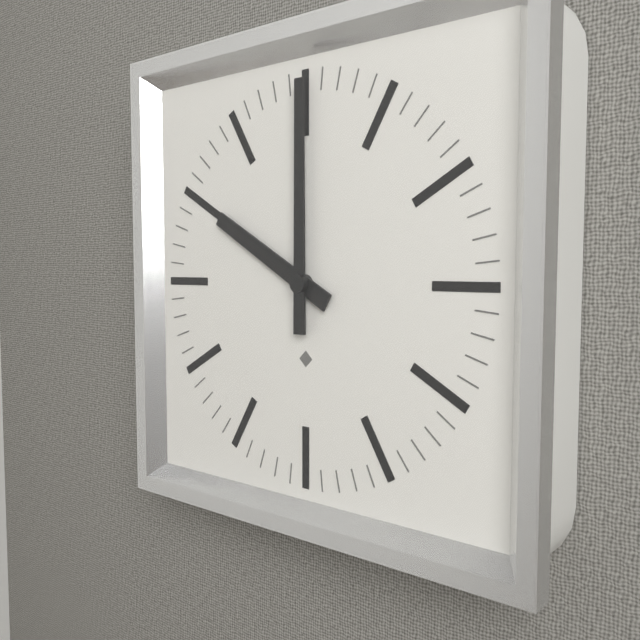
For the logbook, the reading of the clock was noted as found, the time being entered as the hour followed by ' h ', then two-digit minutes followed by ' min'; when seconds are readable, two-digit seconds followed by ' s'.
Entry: 10 h 00 min
